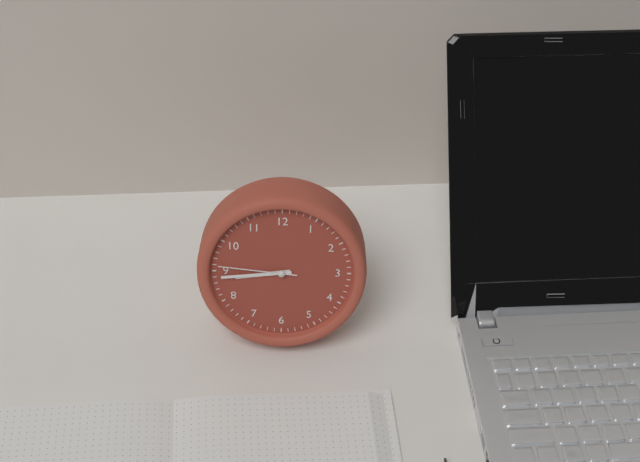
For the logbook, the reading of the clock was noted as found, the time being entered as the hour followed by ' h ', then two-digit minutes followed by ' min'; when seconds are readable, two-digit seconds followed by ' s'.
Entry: 8 h 44 min 46 s
